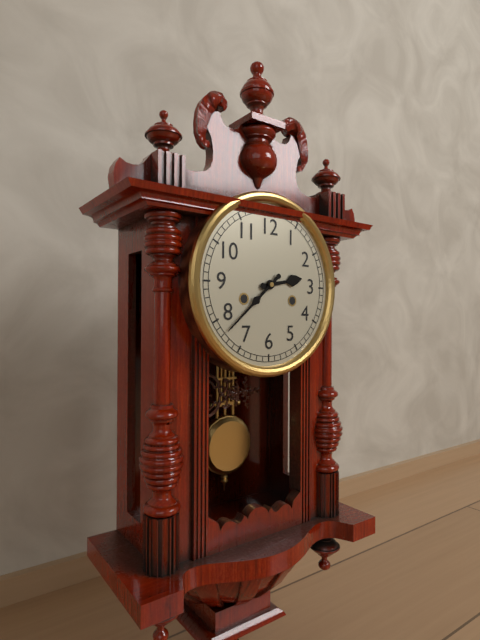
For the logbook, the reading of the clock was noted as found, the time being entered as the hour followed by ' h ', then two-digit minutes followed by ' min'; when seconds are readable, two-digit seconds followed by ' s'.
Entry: 2 h 38 min
